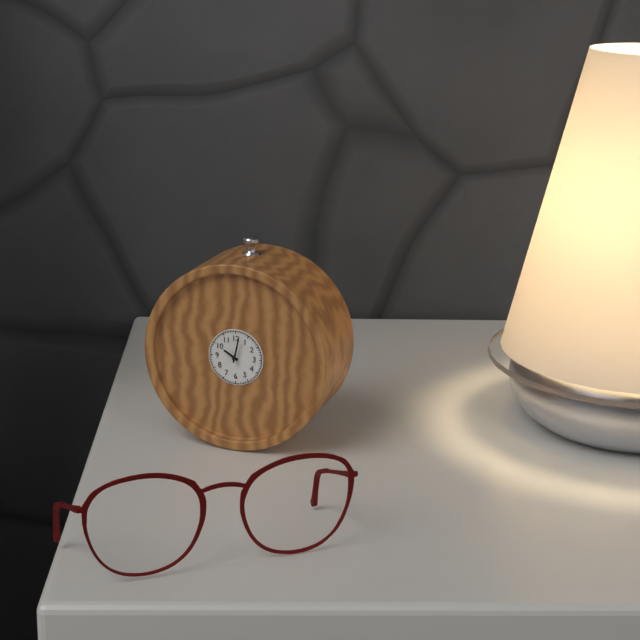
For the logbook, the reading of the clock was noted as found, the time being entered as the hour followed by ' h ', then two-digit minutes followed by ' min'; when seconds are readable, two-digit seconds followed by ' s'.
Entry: 10 h 02 min
